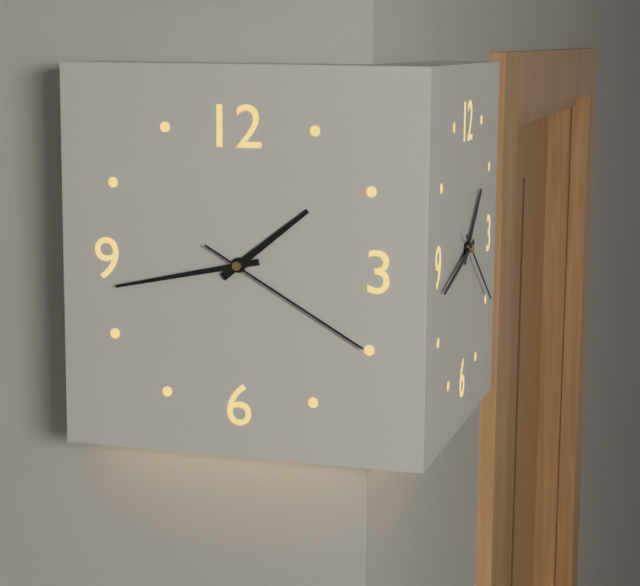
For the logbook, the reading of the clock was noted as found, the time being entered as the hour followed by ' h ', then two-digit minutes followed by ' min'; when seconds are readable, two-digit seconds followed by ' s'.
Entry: 1 h 43 min 20 s
